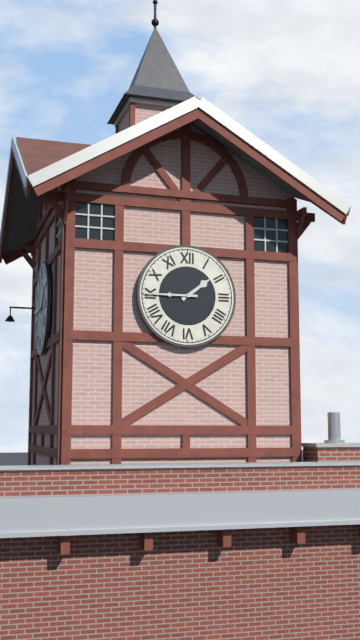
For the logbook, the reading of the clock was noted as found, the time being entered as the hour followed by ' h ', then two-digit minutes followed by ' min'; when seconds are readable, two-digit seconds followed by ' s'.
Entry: 1 h 45 min
